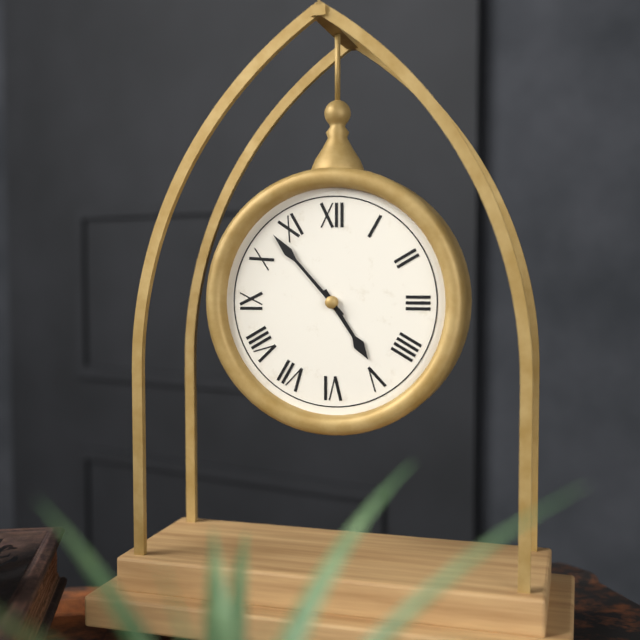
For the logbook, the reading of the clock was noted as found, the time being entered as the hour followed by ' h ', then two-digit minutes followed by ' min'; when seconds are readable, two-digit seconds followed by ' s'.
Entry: 4 h 53 min
